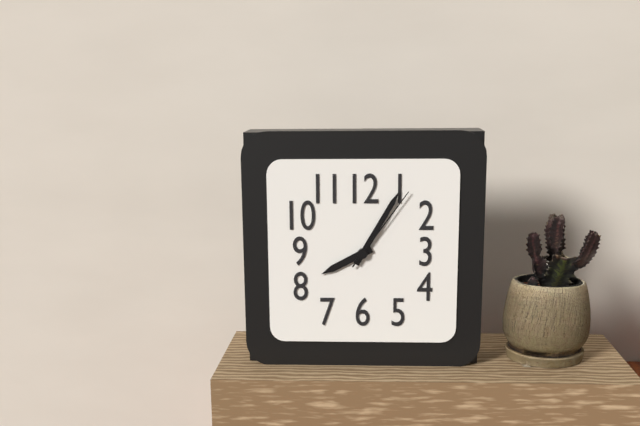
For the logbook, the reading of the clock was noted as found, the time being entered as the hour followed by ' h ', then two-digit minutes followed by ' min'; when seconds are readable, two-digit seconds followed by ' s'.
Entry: 8 h 05 min 06 s
